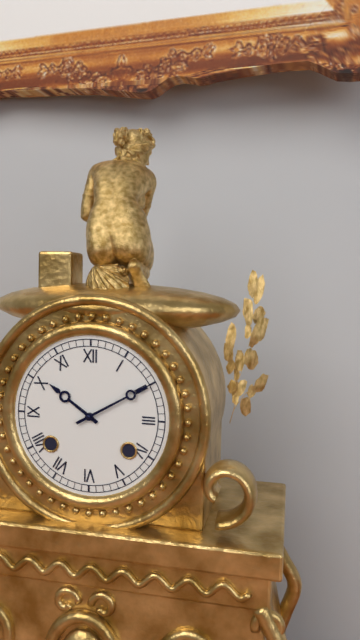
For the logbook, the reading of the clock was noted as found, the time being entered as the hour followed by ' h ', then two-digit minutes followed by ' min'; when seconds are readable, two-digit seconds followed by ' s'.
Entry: 10 h 10 min
